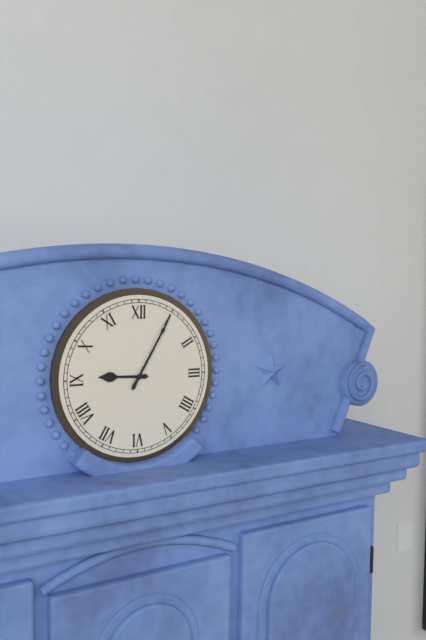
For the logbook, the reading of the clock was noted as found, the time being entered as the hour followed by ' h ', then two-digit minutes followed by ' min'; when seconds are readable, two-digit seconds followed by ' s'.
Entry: 9 h 05 min
